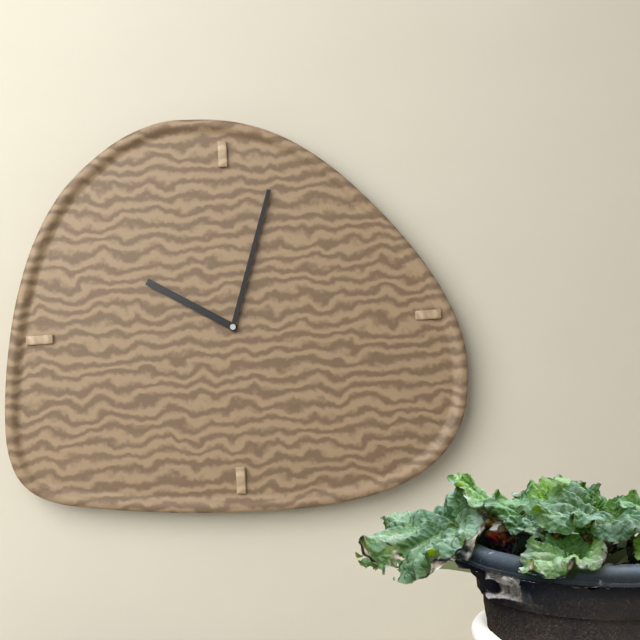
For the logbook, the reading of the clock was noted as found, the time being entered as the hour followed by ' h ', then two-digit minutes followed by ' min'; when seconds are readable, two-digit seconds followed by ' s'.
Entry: 10 h 03 min
